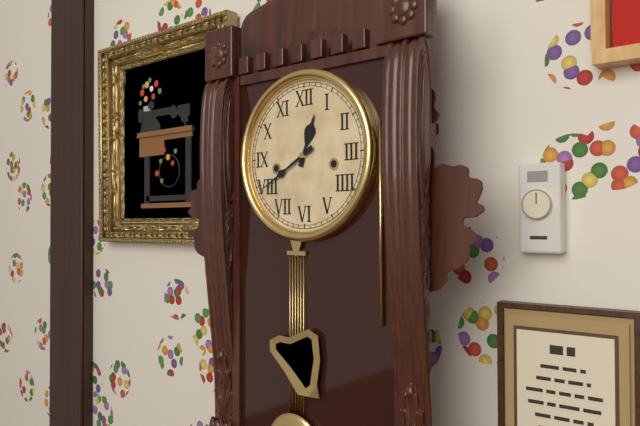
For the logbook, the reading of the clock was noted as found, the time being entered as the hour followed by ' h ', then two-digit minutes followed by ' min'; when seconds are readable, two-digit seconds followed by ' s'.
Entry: 12 h 40 min
